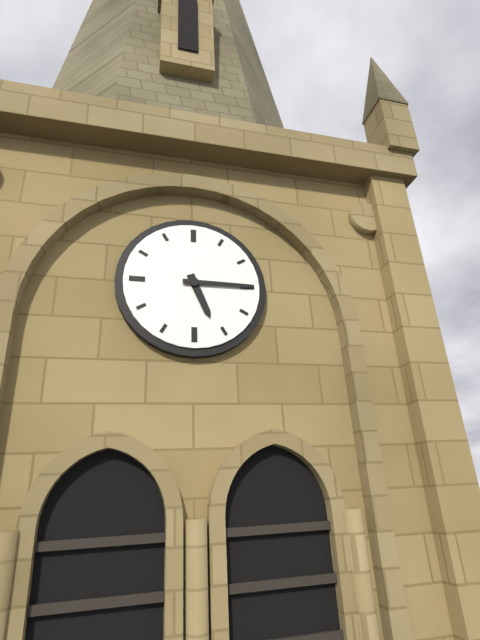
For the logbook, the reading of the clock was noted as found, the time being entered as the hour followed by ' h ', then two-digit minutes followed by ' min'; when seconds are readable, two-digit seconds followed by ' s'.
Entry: 5 h 15 min
